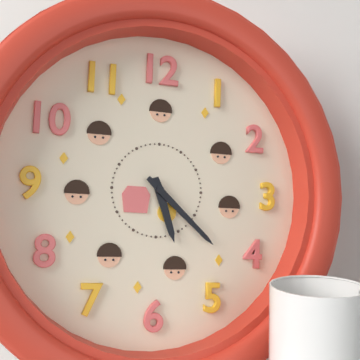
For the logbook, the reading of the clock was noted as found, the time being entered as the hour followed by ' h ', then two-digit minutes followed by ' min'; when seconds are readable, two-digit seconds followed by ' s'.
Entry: 5 h 22 min
